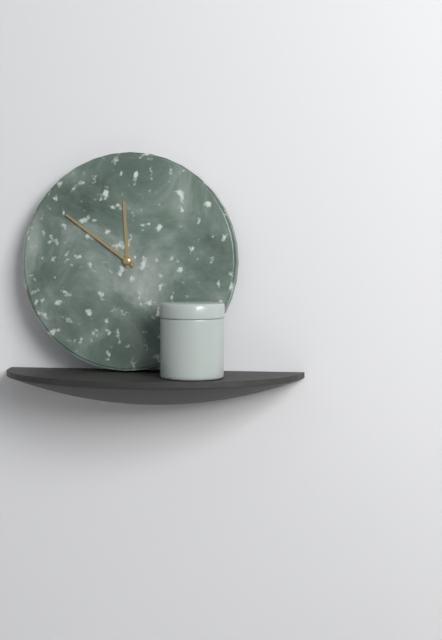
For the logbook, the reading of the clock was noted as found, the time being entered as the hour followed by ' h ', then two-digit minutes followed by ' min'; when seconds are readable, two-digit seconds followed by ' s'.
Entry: 11 h 51 min
